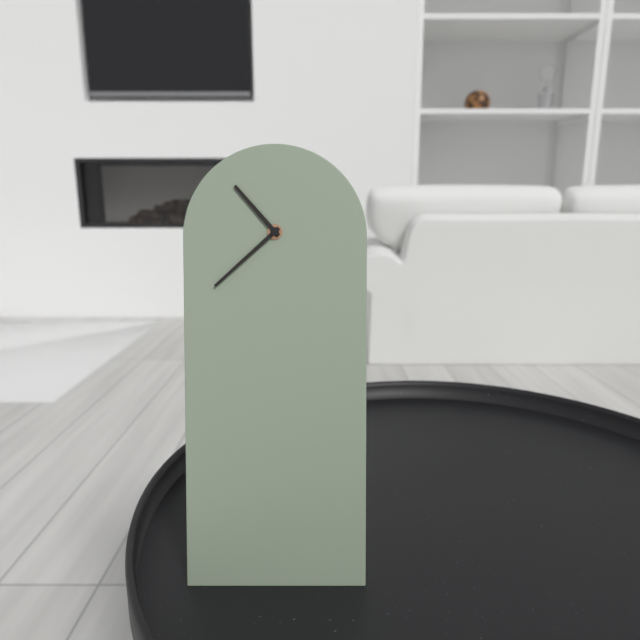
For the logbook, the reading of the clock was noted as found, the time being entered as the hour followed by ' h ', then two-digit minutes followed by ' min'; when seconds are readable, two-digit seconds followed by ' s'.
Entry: 10 h 38 min
